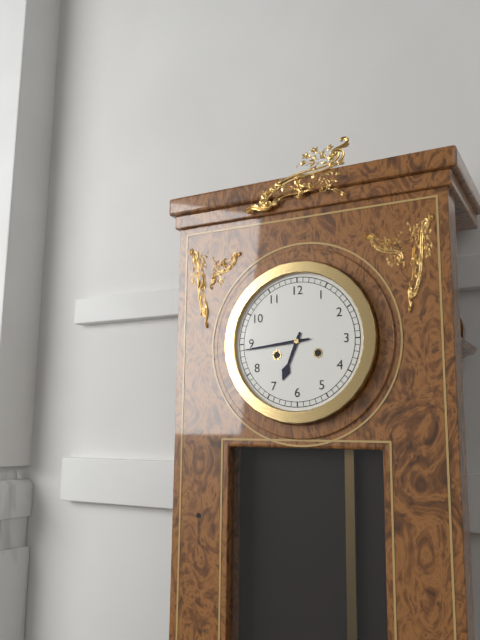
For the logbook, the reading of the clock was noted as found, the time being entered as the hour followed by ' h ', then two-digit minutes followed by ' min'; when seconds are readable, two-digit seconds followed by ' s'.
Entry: 6 h 44 min
